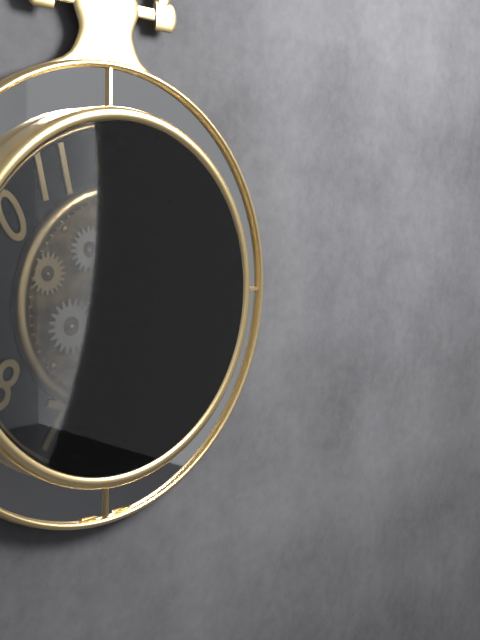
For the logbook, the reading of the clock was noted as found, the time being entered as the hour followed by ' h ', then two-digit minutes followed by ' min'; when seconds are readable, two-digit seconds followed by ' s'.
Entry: 1 h 15 min
